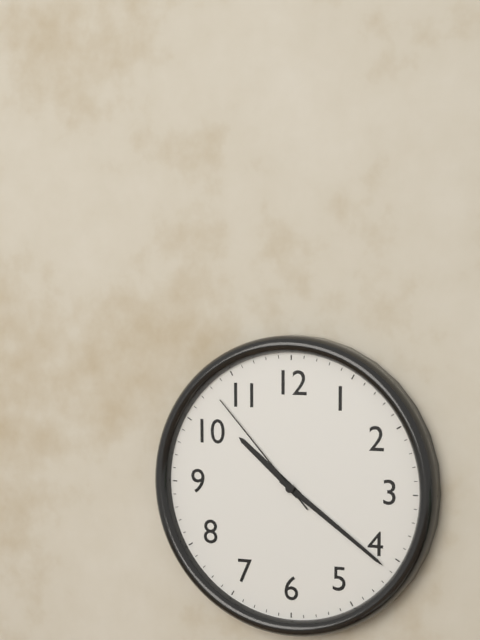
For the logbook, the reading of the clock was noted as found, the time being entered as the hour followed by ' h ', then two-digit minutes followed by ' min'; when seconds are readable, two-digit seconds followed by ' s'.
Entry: 10 h 21 min 53 s
